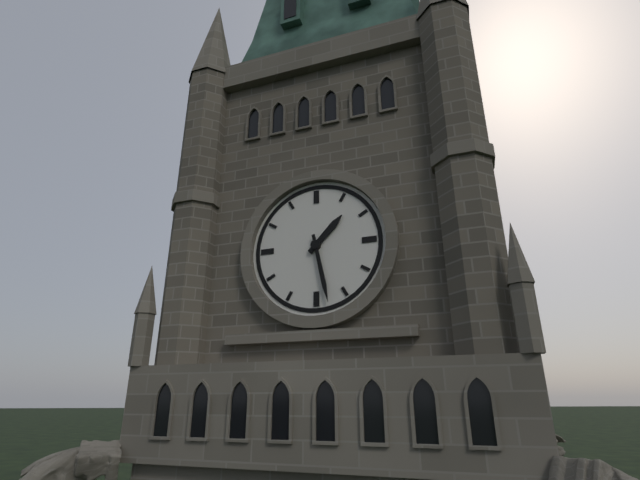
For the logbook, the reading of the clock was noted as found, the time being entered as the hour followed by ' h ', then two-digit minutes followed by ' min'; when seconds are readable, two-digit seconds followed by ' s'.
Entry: 1 h 28 min
